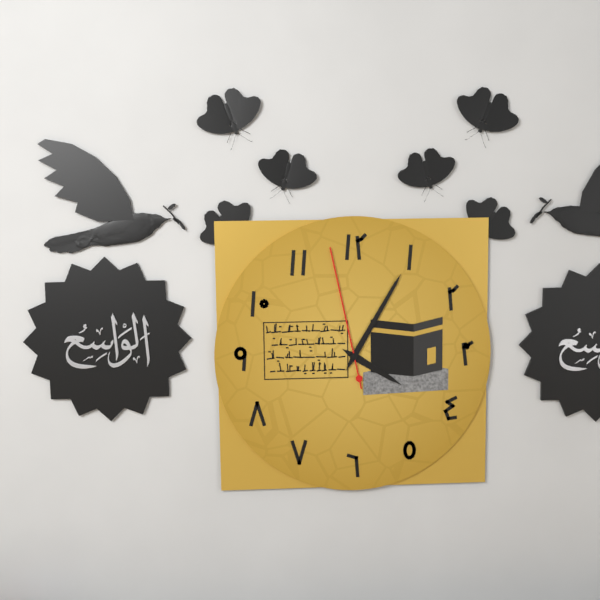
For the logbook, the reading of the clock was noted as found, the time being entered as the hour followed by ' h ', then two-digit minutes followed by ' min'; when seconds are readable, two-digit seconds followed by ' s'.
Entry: 4 h 05 min 58 s
